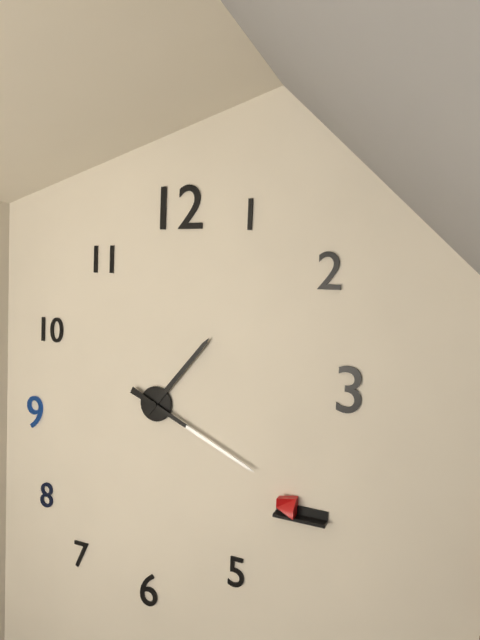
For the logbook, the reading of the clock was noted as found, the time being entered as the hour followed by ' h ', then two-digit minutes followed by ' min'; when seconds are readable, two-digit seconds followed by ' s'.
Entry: 1 h 19 min
